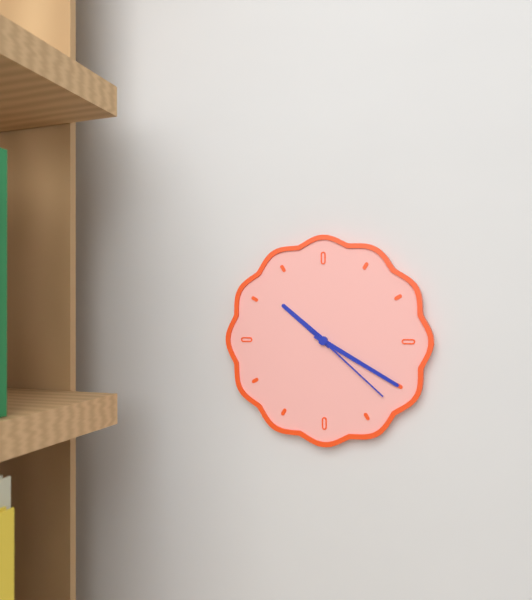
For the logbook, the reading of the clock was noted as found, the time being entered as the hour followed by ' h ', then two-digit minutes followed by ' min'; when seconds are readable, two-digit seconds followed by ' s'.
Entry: 10 h 20 min 22 s
